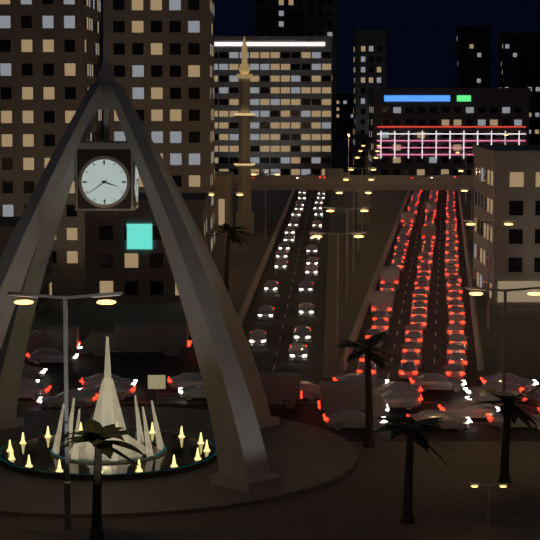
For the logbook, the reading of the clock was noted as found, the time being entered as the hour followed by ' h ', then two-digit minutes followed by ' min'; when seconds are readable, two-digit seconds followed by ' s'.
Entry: 3 h 39 min
